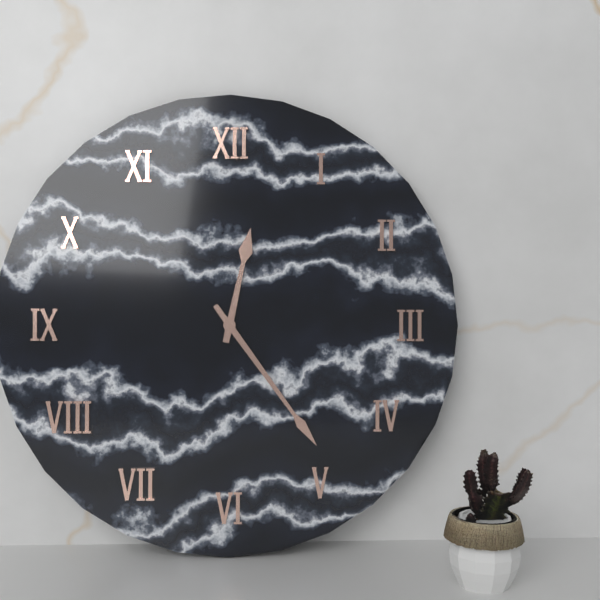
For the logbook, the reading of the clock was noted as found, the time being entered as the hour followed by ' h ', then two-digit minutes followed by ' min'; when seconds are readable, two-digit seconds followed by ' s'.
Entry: 12 h 24 min
